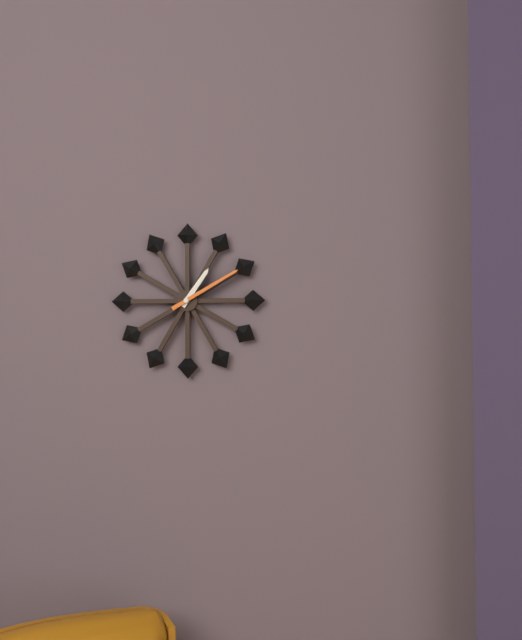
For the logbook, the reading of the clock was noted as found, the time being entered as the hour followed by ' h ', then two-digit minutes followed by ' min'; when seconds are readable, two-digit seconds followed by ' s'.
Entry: 1 h 10 min
